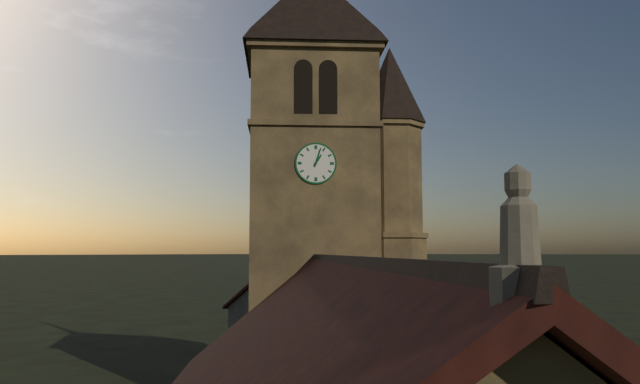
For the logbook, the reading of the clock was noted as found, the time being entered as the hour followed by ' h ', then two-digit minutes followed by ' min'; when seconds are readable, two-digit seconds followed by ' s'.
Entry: 1 h 03 min
